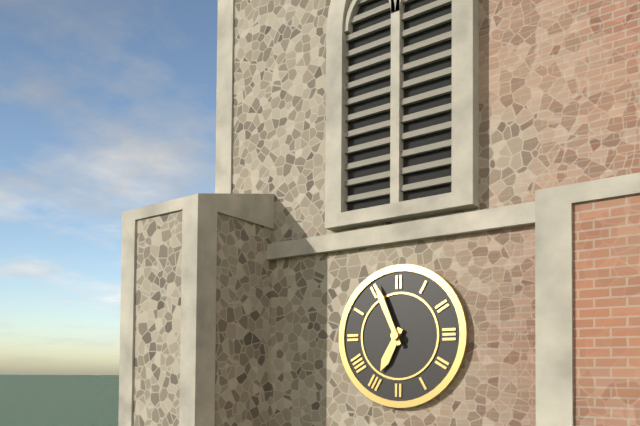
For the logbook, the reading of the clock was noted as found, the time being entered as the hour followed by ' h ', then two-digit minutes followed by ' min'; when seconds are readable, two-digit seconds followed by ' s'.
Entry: 6 h 56 min
